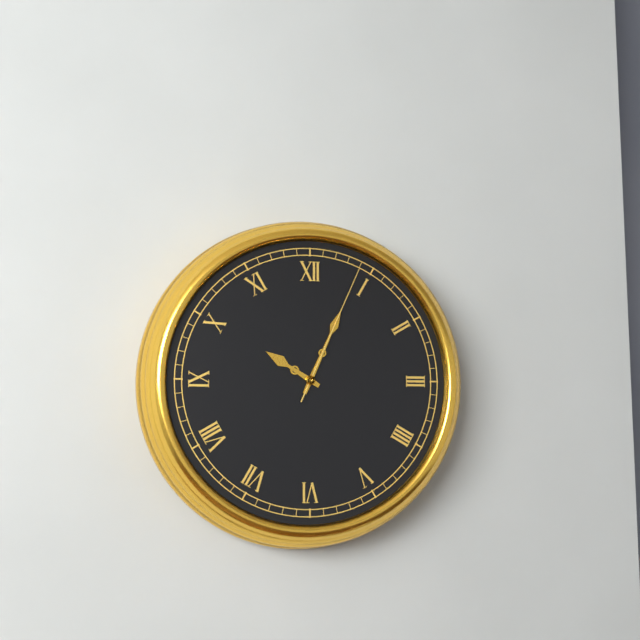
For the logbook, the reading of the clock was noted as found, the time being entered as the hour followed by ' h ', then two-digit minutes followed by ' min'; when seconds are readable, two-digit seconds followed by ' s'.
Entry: 10 h 04 min 04 s
